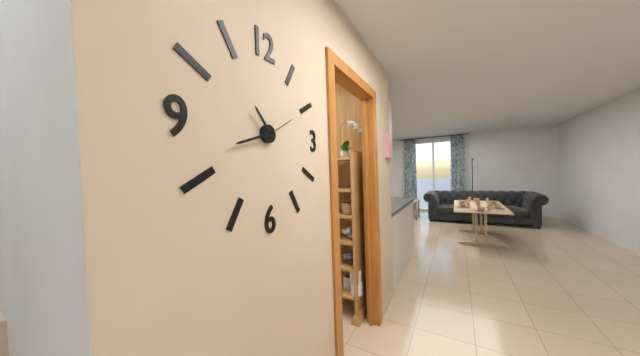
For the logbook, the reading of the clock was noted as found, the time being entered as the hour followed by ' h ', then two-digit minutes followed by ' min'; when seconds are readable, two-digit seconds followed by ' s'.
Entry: 10 h 42 min
